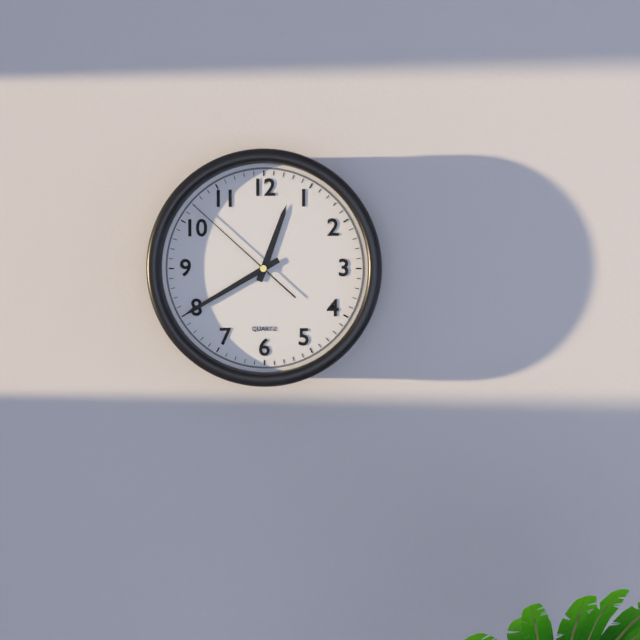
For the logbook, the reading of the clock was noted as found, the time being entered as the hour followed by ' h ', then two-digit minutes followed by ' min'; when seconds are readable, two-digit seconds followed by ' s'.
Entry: 12 h 40 min 52 s
